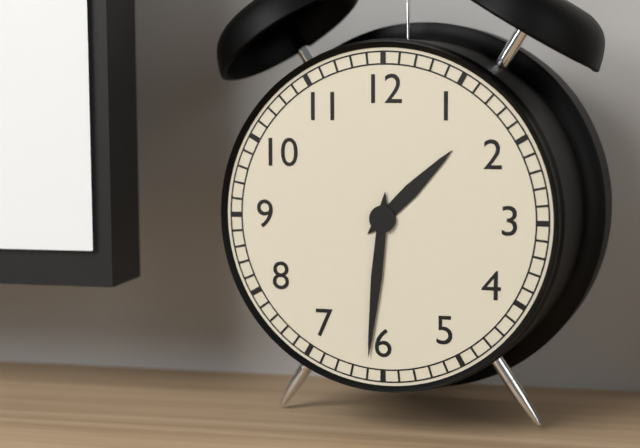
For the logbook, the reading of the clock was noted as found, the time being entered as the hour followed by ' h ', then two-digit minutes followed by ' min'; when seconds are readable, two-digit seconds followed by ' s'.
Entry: 1 h 31 min
